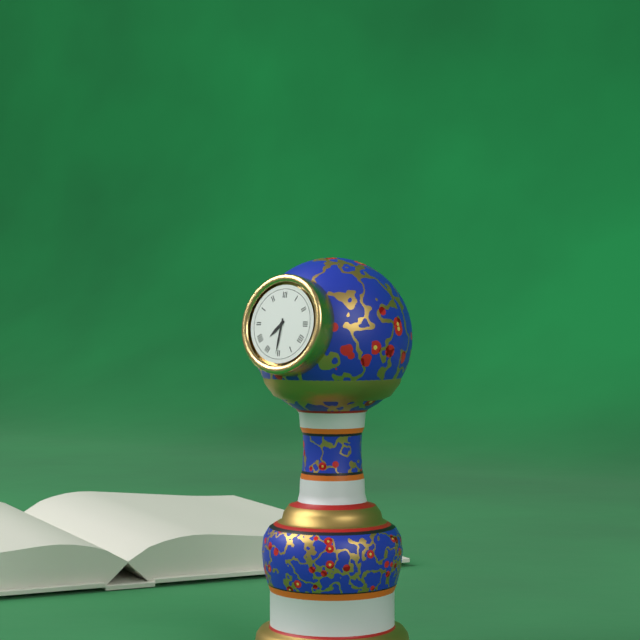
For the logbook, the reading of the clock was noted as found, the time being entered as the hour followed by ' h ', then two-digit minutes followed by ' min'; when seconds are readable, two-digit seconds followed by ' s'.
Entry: 7 h 31 min
